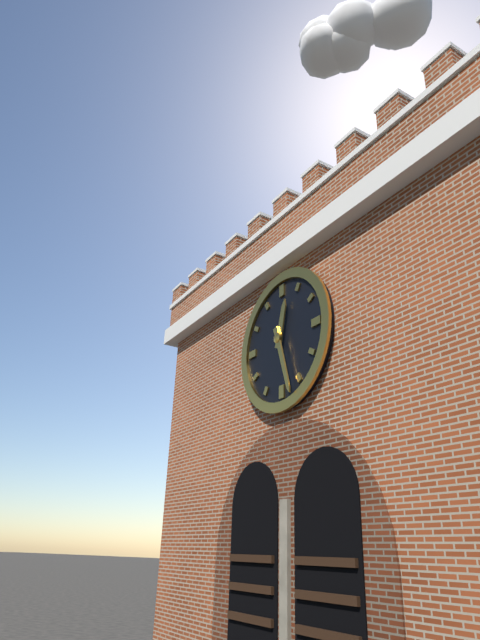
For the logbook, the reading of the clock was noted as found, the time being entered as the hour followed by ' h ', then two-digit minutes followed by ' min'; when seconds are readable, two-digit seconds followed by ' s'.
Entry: 12 h 27 min
